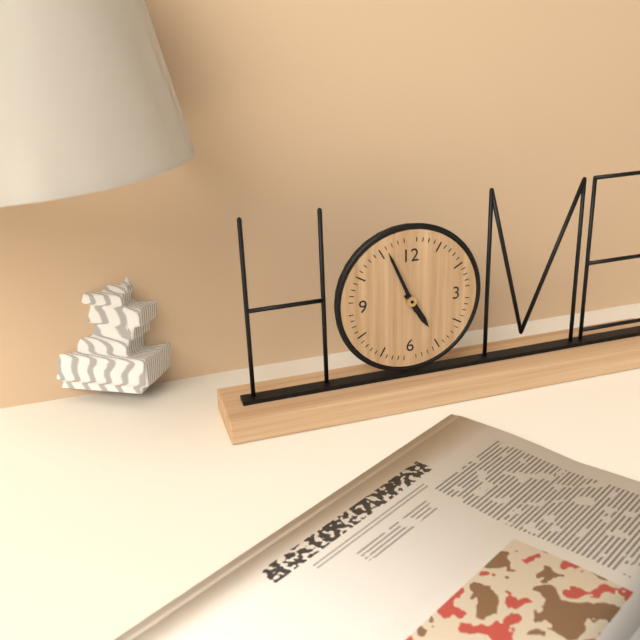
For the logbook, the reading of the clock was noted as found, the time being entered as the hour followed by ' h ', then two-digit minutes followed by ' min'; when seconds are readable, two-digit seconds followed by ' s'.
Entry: 4 h 56 min
